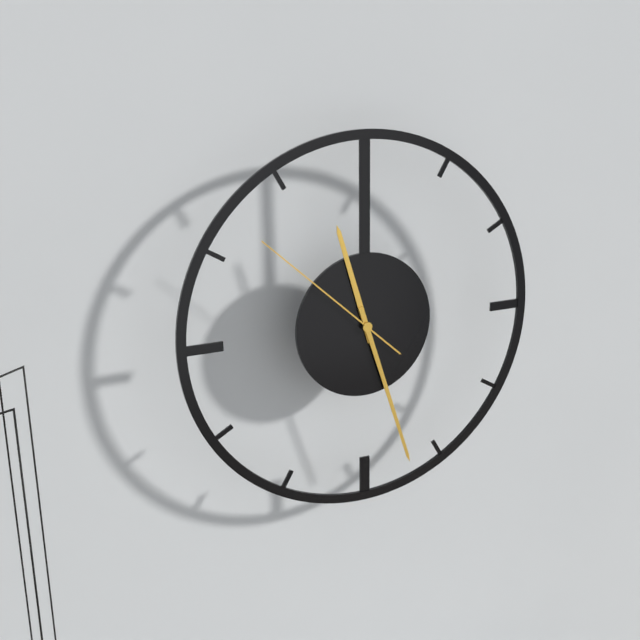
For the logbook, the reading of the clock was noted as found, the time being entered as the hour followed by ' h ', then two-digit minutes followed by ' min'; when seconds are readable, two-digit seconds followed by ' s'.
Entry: 11 h 27 min 52 s
